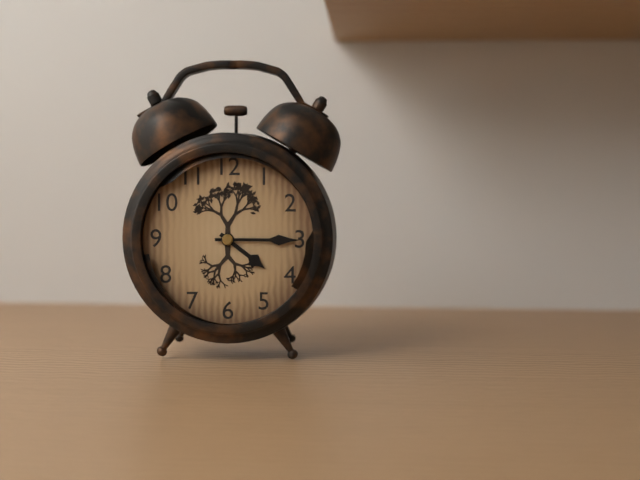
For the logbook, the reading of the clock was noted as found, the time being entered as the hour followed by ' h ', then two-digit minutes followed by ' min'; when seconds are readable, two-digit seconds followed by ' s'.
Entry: 4 h 15 min
